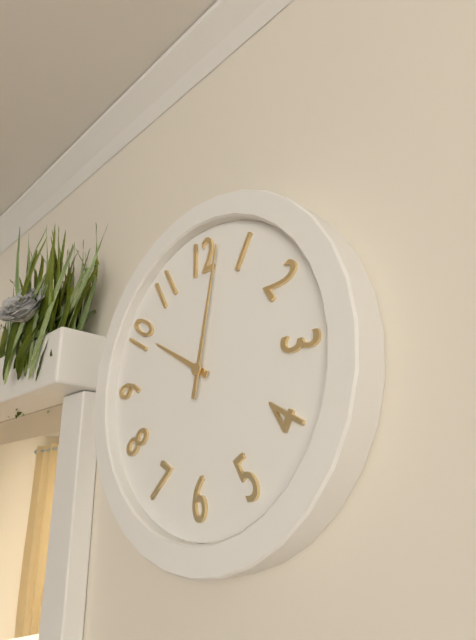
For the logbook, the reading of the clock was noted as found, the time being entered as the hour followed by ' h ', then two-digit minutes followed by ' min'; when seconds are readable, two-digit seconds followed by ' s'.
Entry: 10 h 02 min
